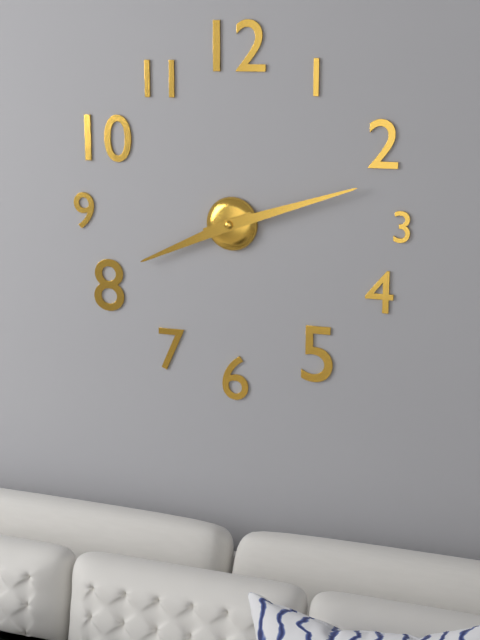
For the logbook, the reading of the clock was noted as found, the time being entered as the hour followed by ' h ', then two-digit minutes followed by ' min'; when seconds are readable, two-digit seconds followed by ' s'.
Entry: 8 h 12 min
